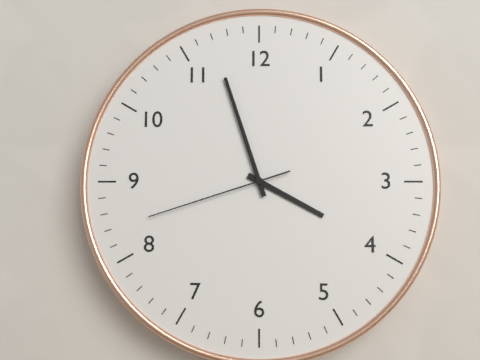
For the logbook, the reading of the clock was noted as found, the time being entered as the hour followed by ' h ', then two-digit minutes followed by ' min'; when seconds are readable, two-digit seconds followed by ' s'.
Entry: 3 h 57 min 42 s
